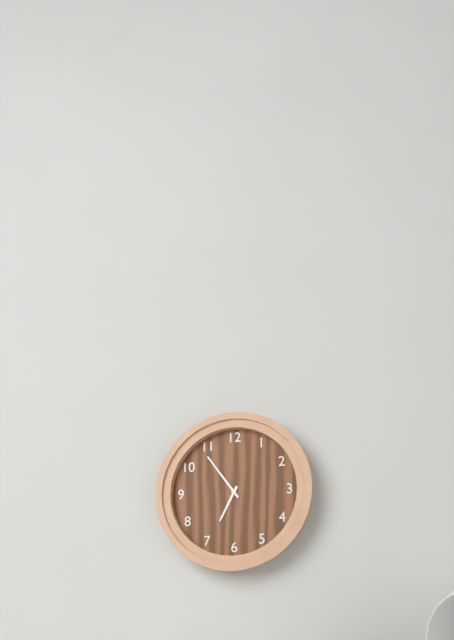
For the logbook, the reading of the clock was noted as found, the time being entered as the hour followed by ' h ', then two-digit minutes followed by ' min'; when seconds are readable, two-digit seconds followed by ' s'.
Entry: 6 h 54 min
